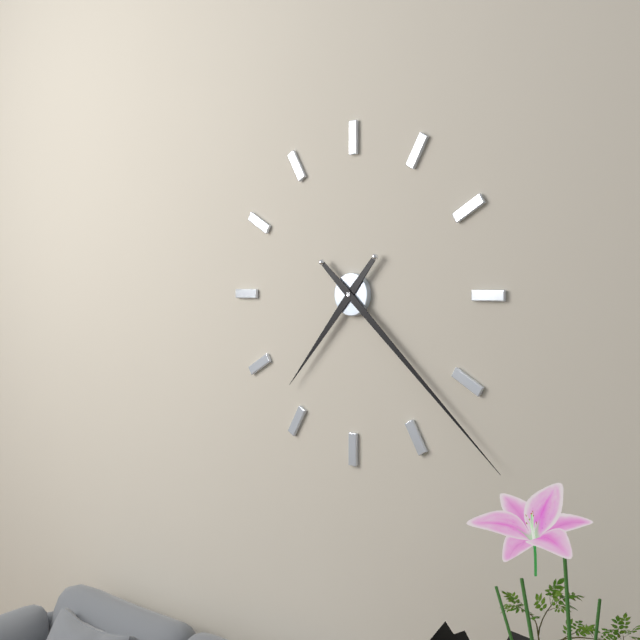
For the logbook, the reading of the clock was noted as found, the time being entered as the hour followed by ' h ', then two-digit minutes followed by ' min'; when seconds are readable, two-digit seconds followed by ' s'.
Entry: 7 h 22 min
